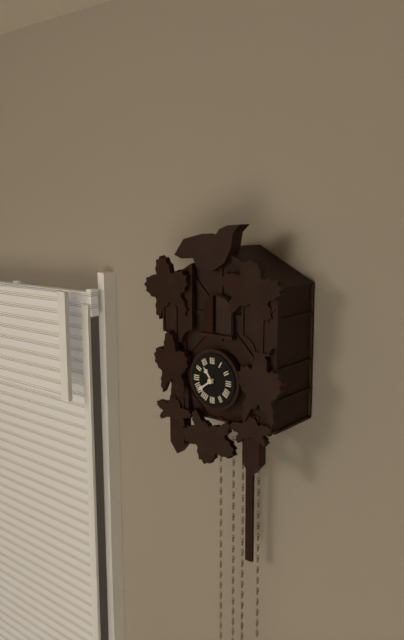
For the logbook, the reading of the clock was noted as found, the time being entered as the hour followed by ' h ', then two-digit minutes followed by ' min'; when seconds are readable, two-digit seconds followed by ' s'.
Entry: 10 h 39 min
